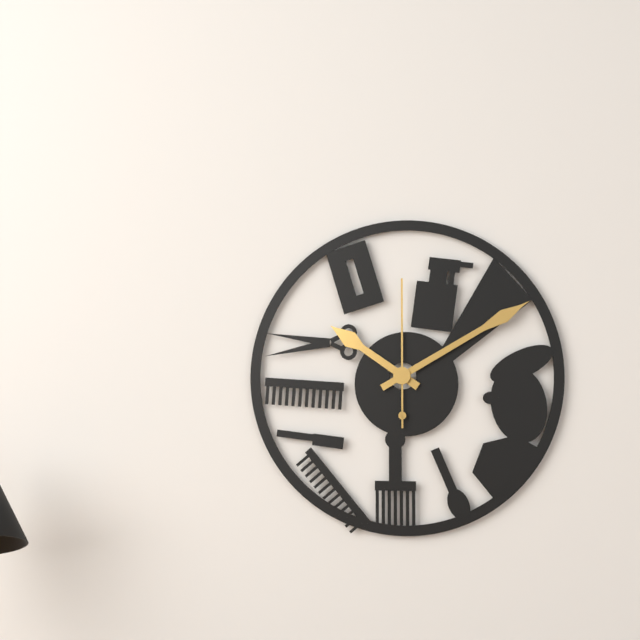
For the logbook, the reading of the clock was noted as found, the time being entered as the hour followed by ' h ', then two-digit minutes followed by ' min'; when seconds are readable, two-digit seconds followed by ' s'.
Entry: 10 h 10 min 00 s
